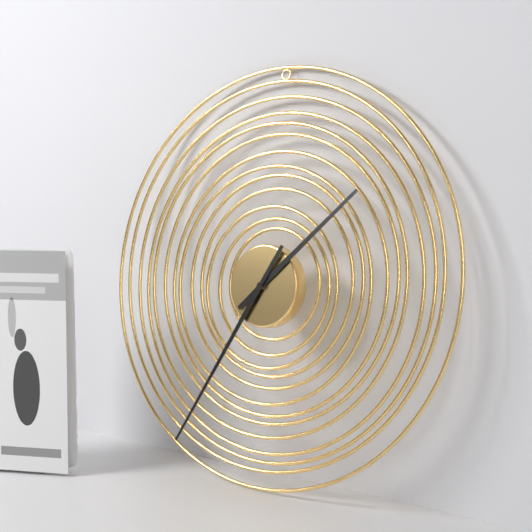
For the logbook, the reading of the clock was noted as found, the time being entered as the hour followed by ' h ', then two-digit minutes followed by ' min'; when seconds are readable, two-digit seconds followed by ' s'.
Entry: 1 h 35 min
